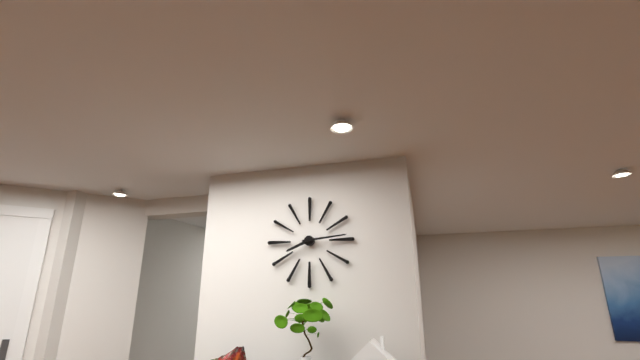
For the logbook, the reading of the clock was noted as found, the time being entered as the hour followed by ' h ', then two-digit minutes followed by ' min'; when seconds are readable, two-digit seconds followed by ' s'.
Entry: 8 h 14 min
